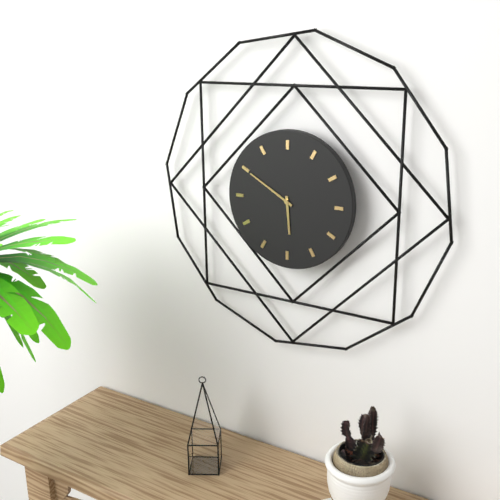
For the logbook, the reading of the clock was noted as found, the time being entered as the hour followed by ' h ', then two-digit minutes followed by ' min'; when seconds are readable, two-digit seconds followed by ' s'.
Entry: 5 h 50 min
